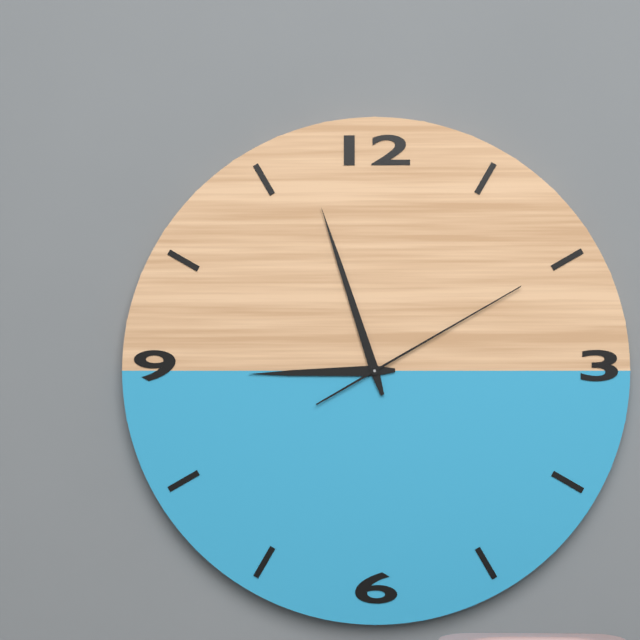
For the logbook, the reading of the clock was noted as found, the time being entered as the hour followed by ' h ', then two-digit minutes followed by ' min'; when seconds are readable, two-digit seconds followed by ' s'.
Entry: 8 h 57 min 10 s
